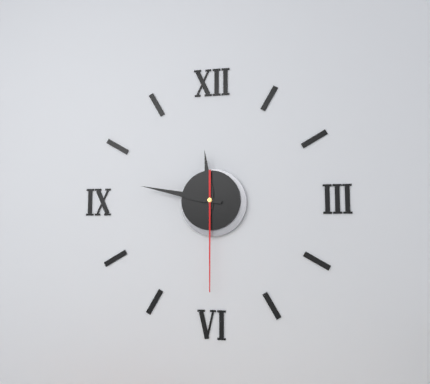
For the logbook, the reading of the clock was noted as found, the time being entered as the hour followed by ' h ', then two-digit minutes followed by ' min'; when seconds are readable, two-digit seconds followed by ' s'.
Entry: 11 h 47 min 30 s
